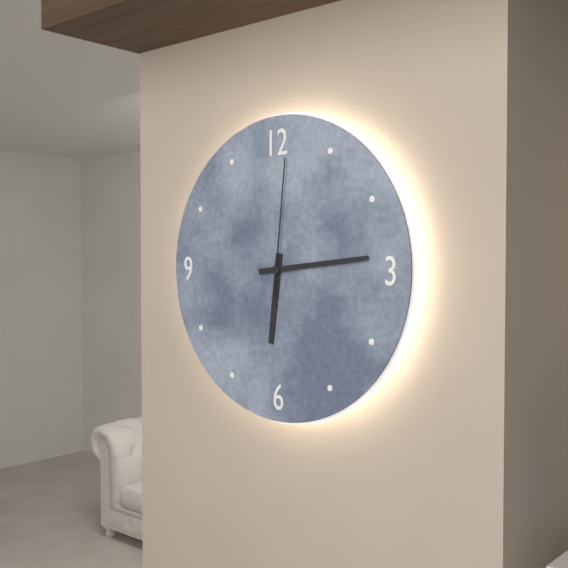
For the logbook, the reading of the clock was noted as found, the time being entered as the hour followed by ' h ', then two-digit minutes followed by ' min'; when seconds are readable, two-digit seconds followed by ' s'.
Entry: 6 h 14 min 01 s
